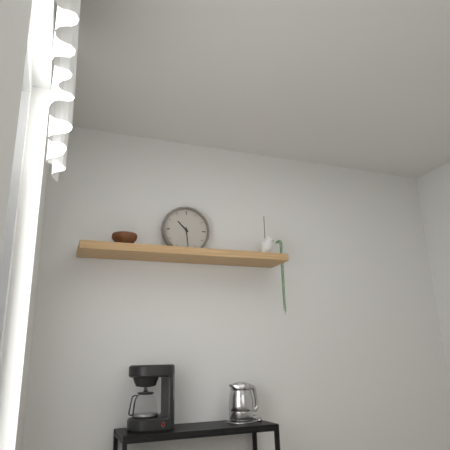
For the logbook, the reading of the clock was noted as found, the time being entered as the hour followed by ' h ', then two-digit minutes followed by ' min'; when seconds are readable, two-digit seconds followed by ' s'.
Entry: 10 h 29 min
